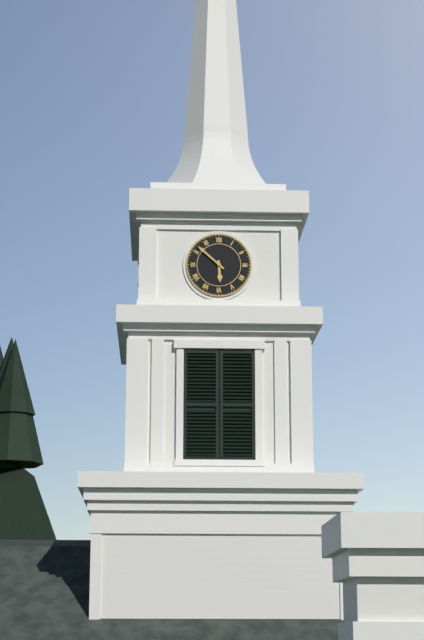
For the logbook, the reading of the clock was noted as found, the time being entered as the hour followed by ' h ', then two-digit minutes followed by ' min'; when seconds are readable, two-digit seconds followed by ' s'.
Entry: 5 h 52 min
